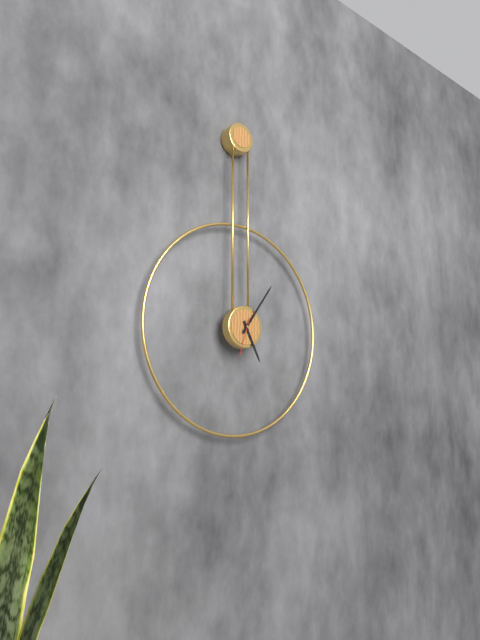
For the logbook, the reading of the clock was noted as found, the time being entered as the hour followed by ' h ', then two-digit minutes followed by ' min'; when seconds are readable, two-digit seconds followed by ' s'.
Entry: 5 h 06 min
